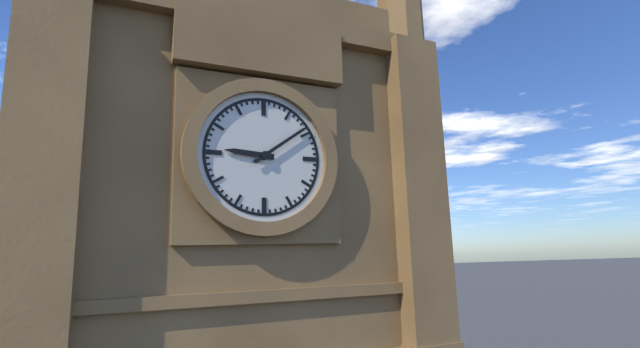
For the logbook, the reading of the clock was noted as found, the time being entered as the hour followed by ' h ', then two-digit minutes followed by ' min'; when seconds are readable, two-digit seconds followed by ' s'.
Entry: 9 h 09 min
